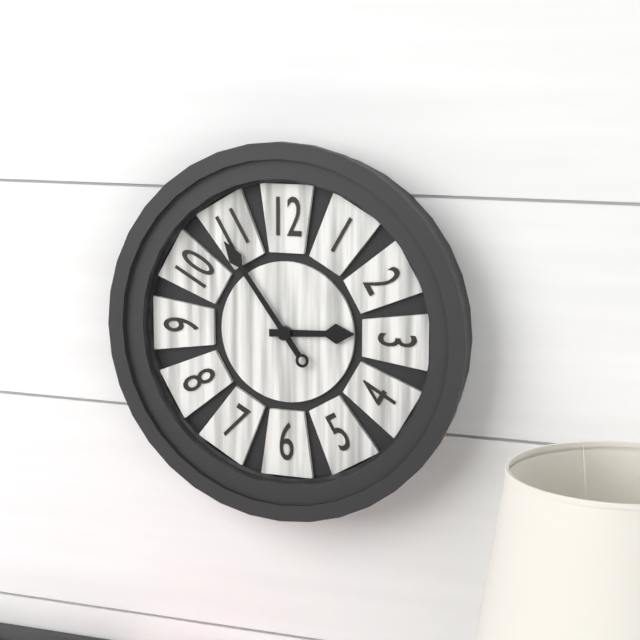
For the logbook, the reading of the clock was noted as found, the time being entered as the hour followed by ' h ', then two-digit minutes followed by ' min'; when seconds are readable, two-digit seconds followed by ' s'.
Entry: 2 h 54 min
